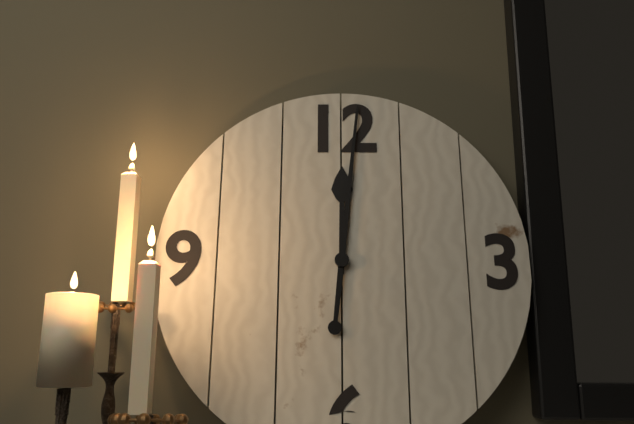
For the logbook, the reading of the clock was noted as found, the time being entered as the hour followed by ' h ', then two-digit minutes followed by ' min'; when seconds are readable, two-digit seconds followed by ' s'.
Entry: 12 h 01 min
